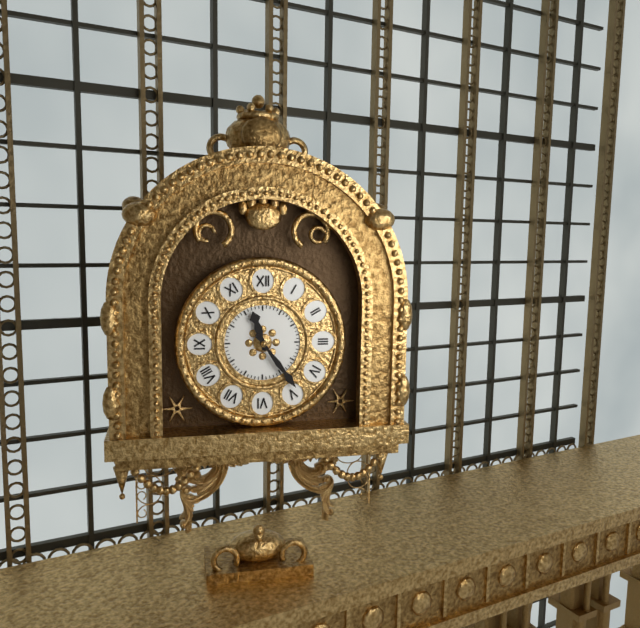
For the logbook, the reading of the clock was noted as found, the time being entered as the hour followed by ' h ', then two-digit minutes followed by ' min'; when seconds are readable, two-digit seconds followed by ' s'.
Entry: 11 h 24 min
